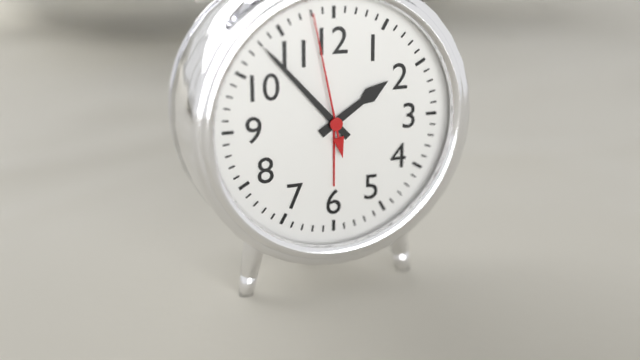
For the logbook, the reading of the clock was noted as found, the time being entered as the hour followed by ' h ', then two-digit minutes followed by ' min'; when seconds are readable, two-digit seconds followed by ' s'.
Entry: 1 h 53 min 58 s
